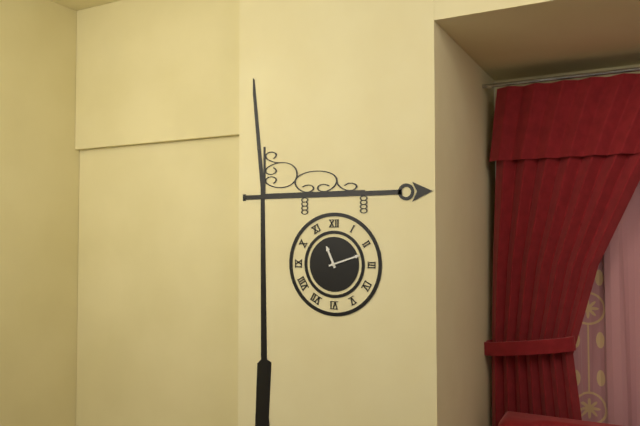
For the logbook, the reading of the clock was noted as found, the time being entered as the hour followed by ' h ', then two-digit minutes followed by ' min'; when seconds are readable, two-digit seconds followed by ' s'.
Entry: 11 h 12 min
